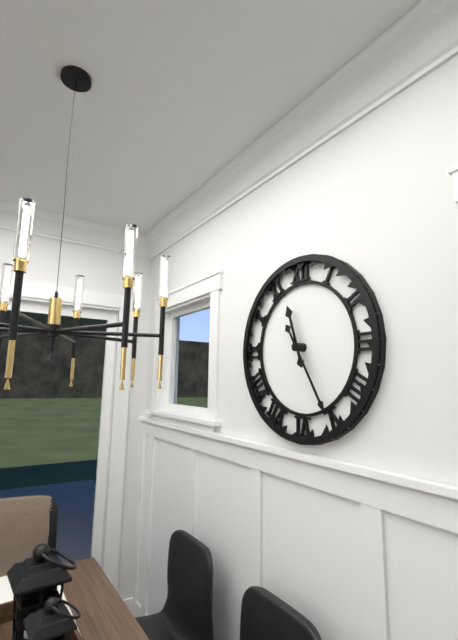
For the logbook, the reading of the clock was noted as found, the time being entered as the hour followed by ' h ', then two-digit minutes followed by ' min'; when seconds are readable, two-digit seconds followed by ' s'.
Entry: 11 h 25 min
